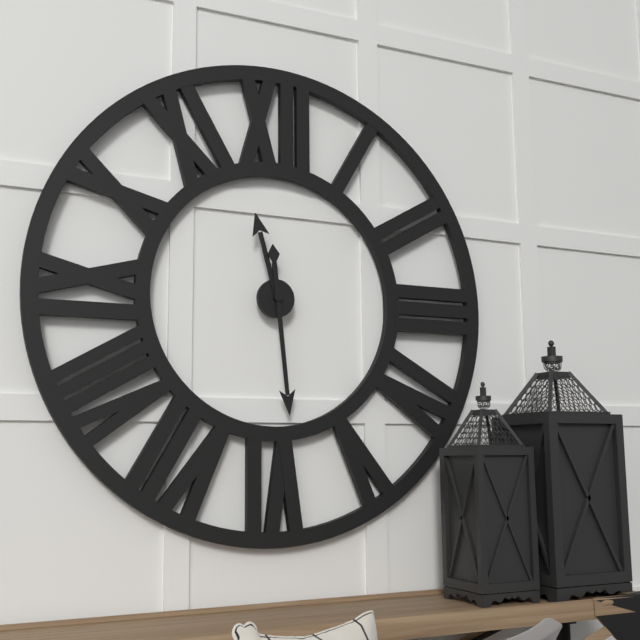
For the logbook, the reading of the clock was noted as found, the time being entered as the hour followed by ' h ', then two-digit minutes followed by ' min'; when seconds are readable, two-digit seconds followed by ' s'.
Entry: 11 h 29 min
